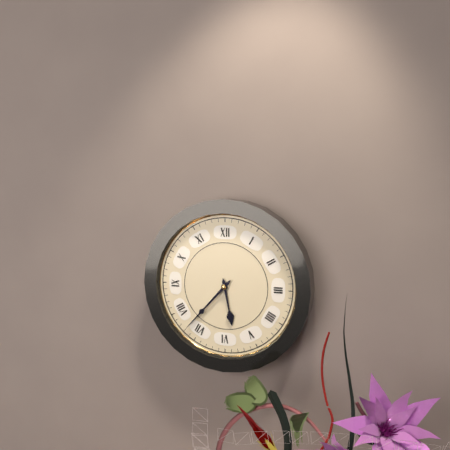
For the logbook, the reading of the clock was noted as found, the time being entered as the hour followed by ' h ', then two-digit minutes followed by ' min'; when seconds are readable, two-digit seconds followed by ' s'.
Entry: 5 h 37 min
